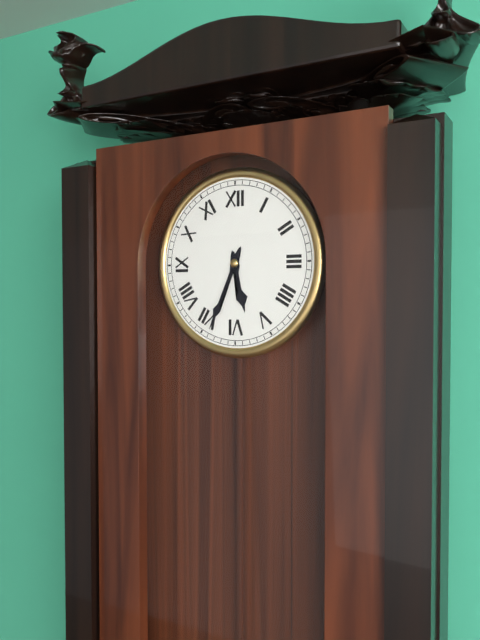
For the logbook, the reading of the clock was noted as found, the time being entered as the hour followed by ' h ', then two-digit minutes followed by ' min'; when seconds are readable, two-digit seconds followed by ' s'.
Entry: 5 h 34 min
